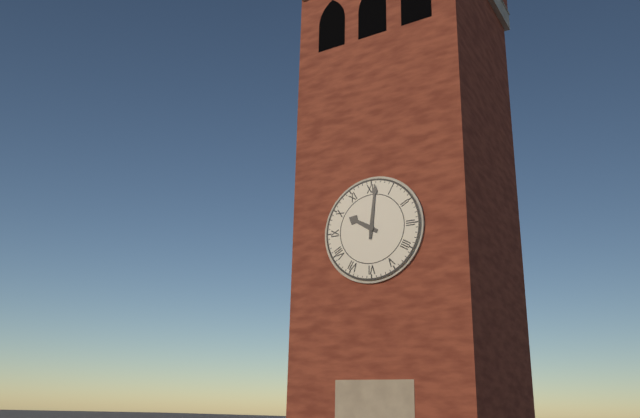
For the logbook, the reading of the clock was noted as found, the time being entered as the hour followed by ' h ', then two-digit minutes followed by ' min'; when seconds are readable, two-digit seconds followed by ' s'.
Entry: 10 h 01 min
